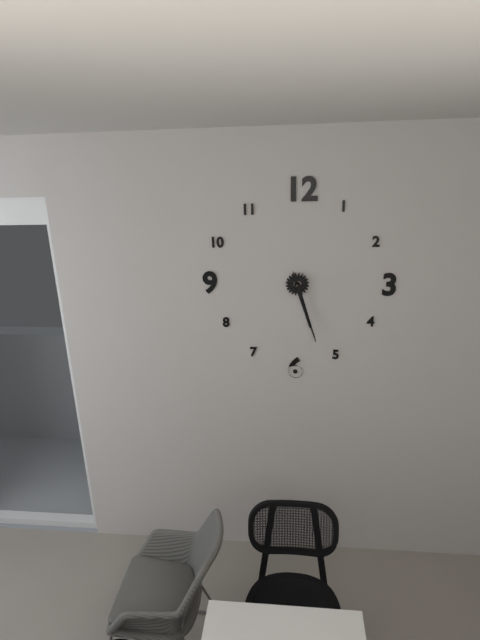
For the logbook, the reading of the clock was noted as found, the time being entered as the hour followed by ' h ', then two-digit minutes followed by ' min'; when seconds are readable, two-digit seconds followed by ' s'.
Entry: 5 h 27 min
